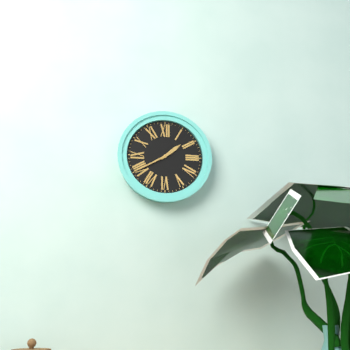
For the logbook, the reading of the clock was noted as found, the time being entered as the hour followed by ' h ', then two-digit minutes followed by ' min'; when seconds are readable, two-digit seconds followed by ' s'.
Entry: 1 h 40 min
